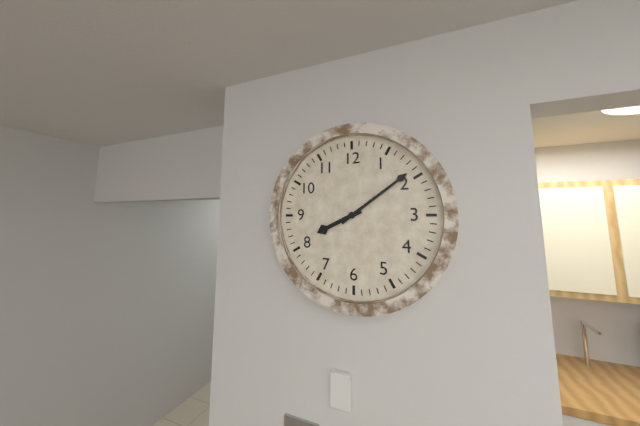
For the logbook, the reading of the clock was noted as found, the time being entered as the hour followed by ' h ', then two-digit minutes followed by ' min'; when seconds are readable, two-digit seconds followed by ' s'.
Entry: 8 h 09 min
